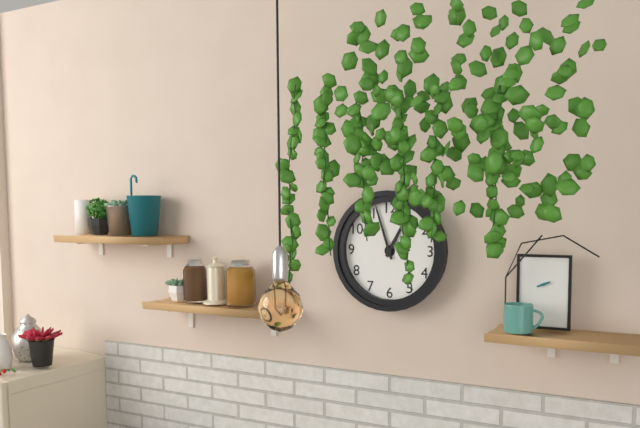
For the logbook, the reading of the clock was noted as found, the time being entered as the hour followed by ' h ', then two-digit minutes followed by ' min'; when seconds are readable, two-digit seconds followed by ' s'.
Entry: 12 h 57 min
